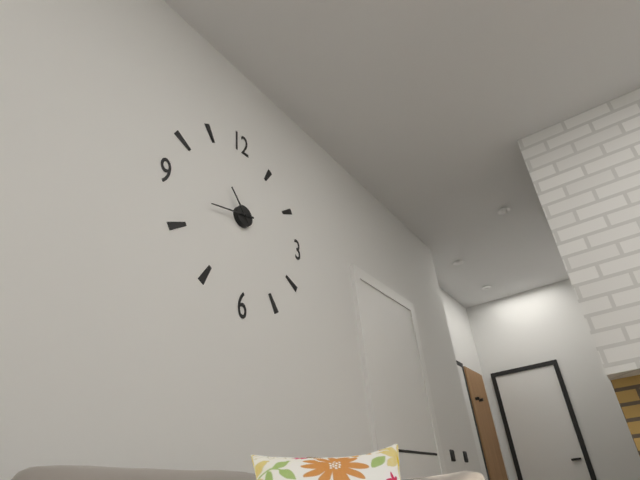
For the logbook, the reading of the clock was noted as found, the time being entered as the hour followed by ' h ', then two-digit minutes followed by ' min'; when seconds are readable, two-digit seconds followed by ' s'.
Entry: 10 h 43 min
